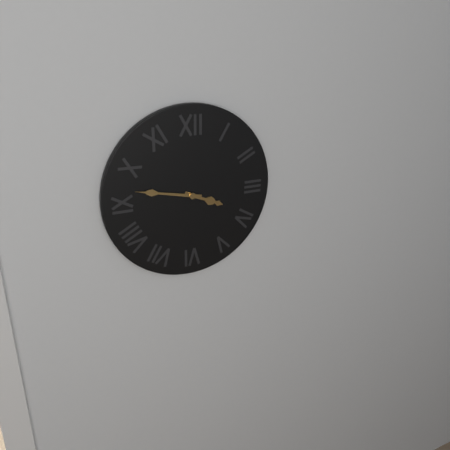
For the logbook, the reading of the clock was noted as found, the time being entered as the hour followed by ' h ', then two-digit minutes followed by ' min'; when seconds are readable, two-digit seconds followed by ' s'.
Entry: 3 h 47 min
